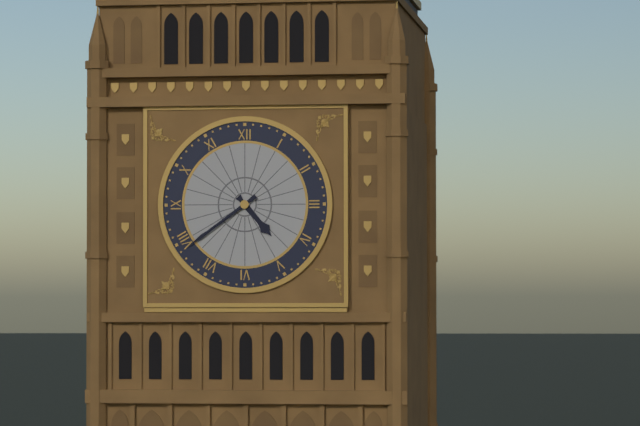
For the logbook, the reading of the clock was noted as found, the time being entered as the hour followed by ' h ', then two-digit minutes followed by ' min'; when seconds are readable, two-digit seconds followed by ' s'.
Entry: 4 h 39 min
